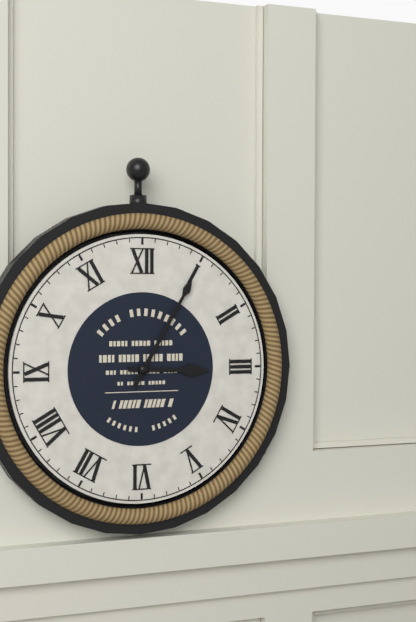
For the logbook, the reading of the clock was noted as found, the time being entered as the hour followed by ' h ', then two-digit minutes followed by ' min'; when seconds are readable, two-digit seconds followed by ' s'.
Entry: 3 h 05 min
